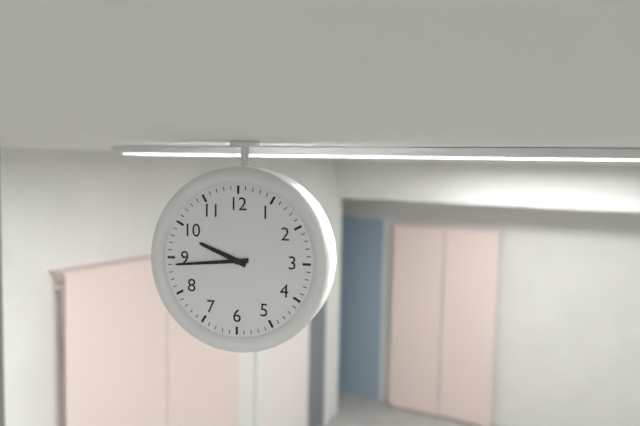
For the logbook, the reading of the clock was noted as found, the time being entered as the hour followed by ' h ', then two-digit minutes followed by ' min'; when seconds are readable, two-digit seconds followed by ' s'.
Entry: 9 h 44 min
